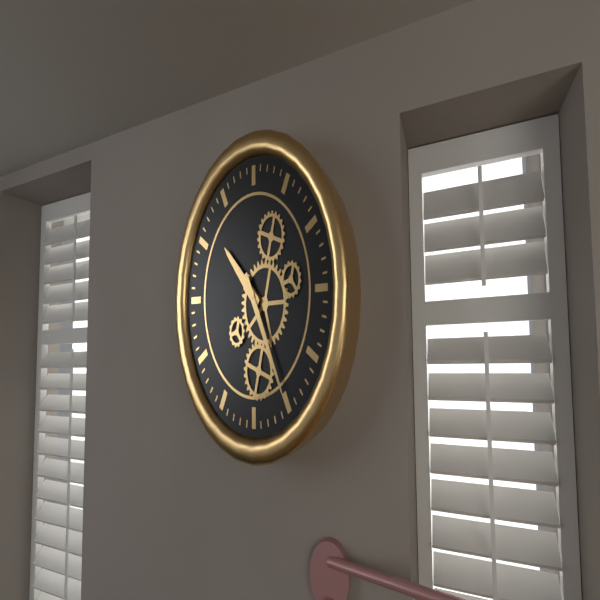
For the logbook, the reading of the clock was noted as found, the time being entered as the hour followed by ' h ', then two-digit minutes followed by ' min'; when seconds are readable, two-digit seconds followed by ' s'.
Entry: 10 h 25 min
